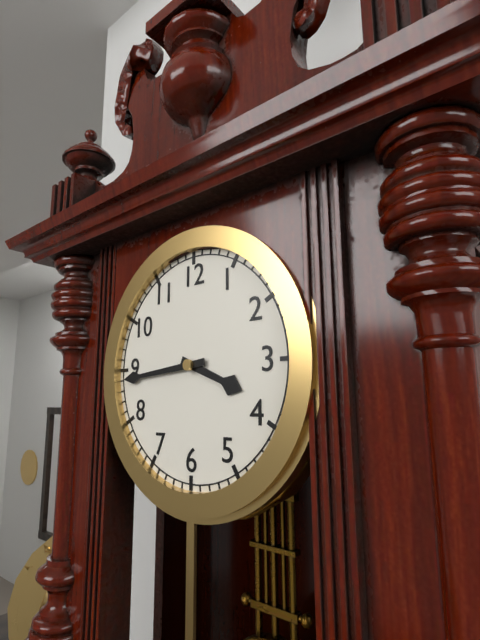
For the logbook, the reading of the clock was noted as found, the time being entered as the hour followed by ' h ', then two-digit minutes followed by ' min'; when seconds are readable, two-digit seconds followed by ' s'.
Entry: 3 h 44 min
